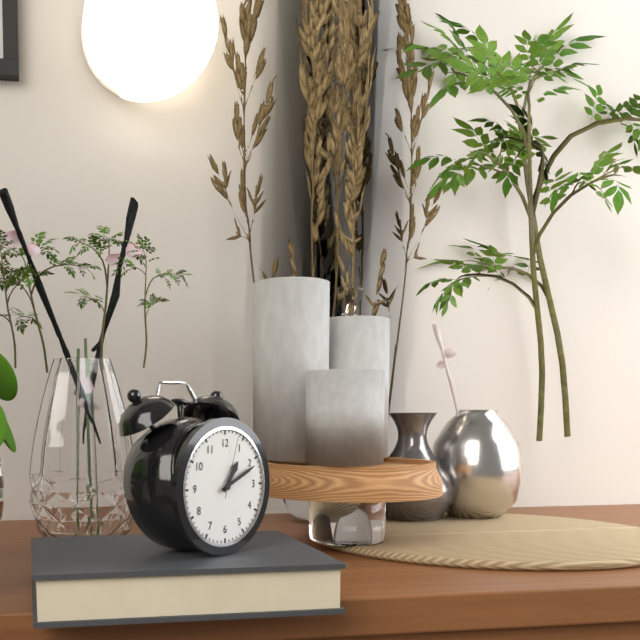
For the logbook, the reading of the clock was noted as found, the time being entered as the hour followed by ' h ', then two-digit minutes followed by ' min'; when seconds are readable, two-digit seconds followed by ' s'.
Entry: 1 h 11 min 03 s
